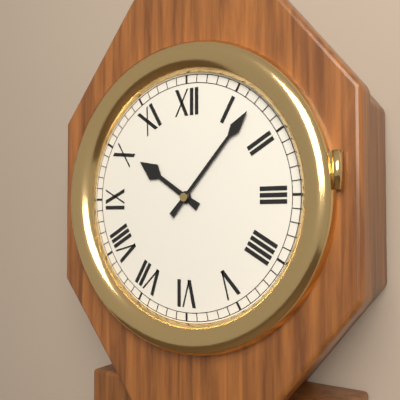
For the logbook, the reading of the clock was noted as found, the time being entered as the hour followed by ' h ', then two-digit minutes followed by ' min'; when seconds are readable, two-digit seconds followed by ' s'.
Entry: 10 h 07 min
